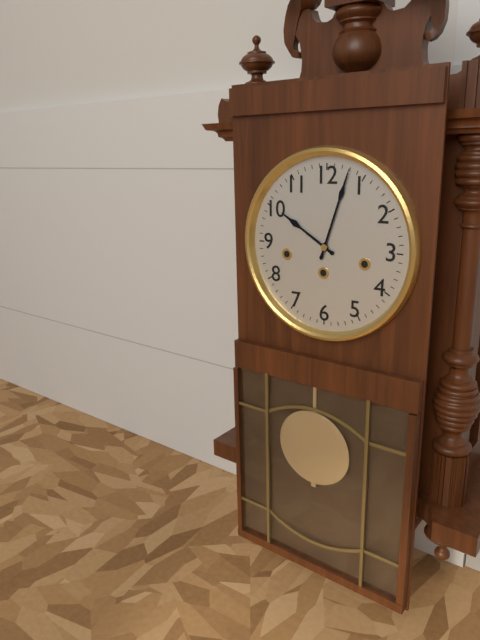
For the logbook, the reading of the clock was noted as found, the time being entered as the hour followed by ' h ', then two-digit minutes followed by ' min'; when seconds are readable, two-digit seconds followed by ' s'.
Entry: 10 h 03 min
